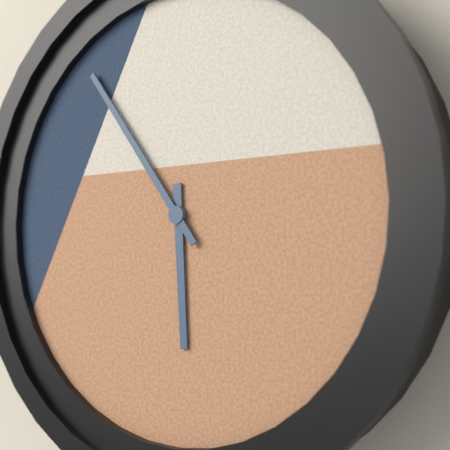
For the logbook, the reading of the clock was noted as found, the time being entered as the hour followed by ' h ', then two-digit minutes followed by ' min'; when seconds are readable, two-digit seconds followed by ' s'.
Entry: 5 h 54 min
